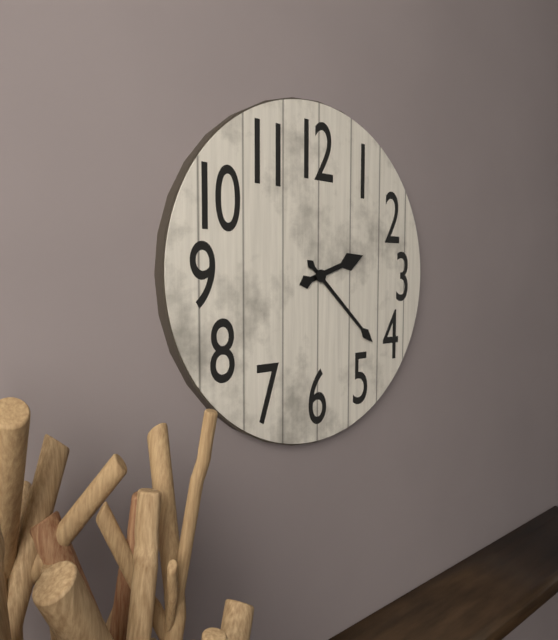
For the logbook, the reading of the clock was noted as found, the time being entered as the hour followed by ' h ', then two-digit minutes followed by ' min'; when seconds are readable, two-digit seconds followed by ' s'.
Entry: 2 h 22 min
